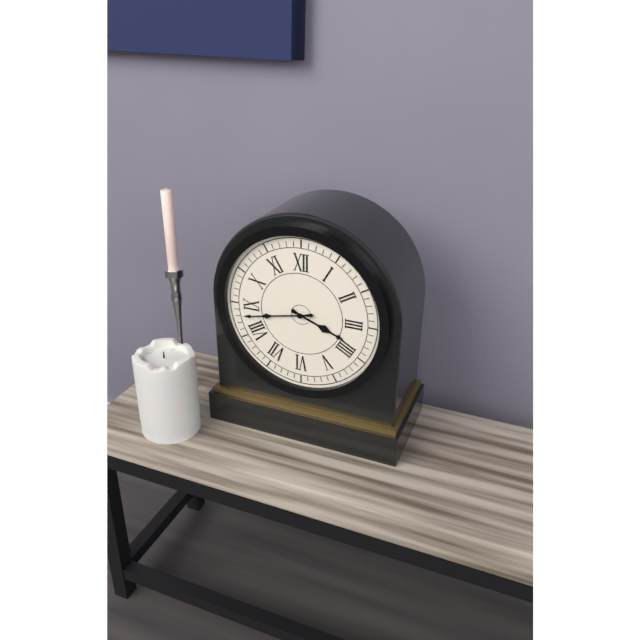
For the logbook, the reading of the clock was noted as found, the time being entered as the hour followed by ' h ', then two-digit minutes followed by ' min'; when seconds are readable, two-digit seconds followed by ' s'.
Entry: 3 h 43 min
